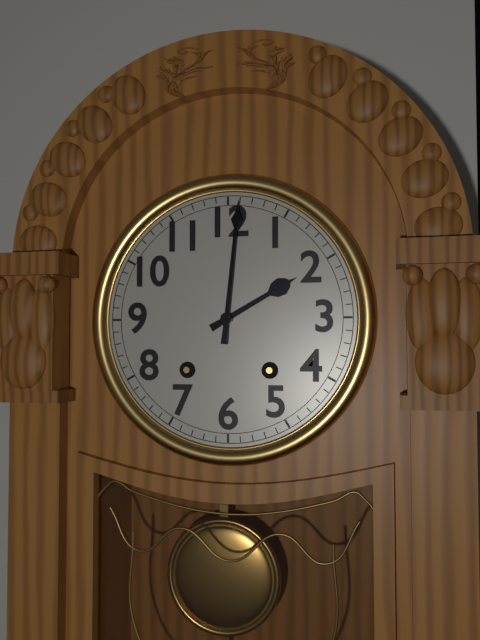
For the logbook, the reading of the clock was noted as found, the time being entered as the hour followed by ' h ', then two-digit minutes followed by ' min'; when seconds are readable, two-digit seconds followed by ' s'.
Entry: 2 h 01 min
